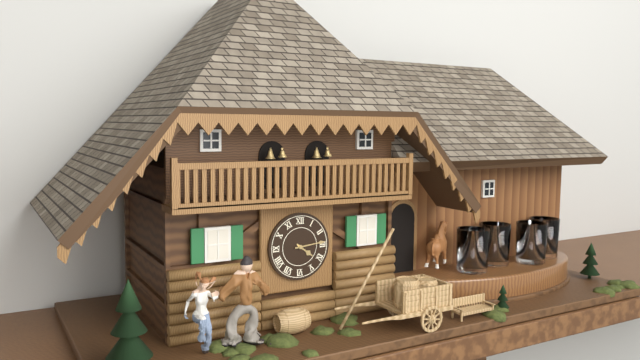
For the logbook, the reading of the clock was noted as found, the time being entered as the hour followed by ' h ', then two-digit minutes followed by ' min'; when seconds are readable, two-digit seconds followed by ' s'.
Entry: 4 h 14 min
